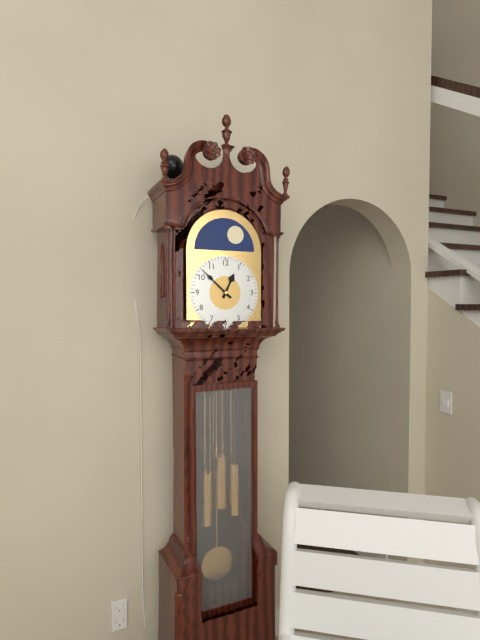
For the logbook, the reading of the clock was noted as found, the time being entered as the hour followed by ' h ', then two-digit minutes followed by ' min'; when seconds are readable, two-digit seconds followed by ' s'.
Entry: 12 h 52 min
